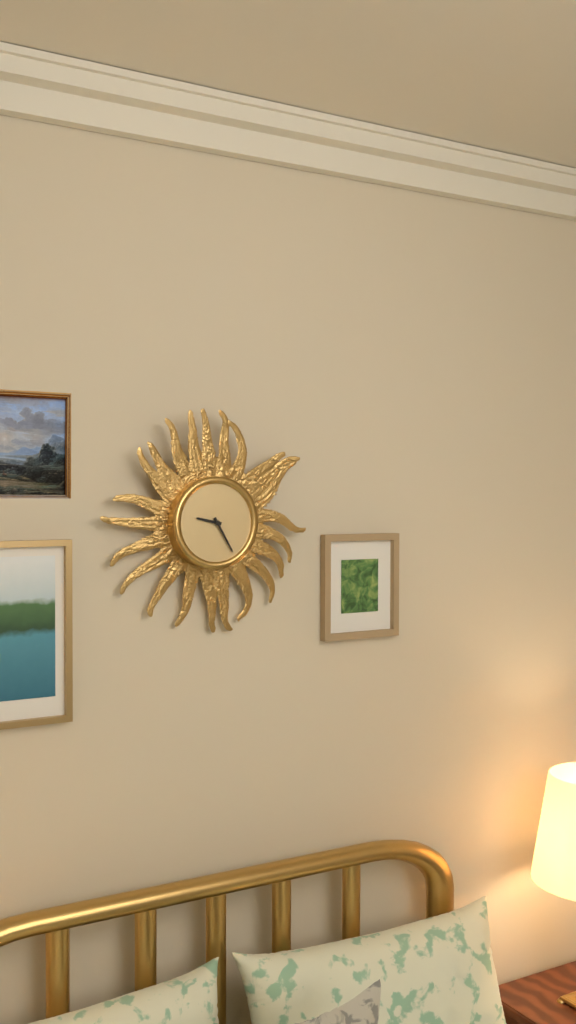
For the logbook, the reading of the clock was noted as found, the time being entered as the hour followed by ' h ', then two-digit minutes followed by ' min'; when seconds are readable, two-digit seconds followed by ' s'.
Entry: 9 h 25 min
